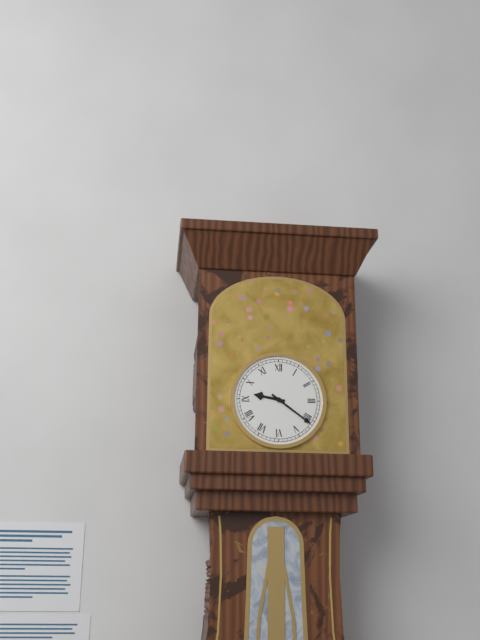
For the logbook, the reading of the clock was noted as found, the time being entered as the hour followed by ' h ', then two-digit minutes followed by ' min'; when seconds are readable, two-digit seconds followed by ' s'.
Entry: 9 h 21 min
